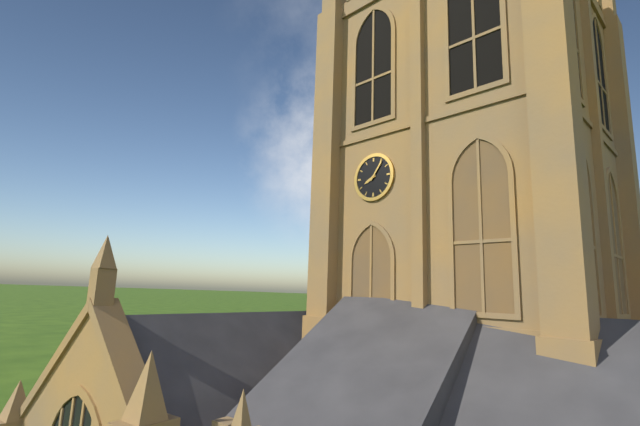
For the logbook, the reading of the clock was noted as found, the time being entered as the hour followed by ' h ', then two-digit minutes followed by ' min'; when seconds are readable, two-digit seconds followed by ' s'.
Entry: 8 h 06 min
